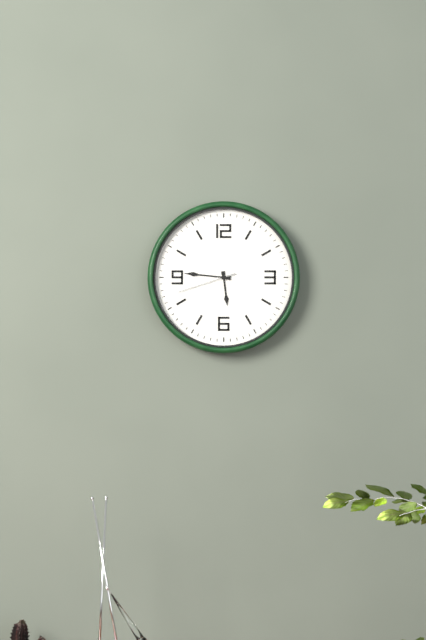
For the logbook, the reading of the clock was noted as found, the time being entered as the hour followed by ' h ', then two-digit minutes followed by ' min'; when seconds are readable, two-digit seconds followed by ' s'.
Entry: 5 h 46 min 42 s
